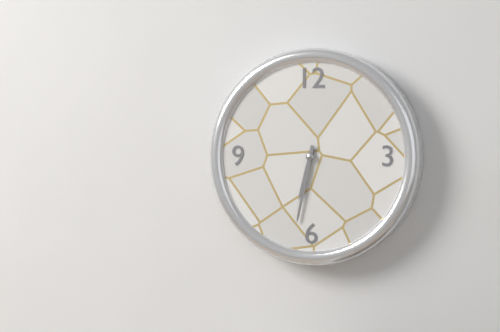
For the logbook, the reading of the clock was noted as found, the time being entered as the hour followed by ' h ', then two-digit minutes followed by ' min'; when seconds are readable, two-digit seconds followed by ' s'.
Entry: 6 h 32 min
